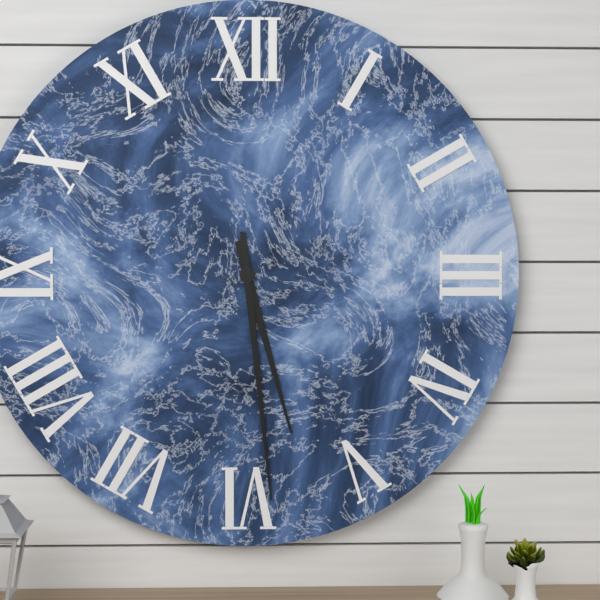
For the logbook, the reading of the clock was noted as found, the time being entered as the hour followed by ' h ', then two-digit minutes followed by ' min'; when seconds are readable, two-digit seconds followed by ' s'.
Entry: 5 h 29 min
